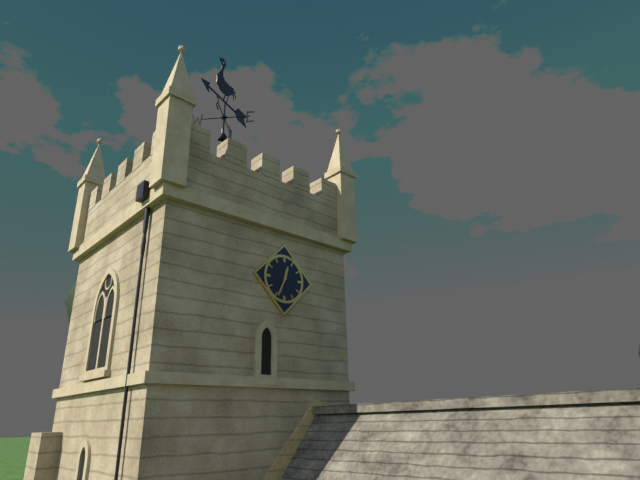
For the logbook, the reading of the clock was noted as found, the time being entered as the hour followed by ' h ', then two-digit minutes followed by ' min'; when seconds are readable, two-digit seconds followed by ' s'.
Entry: 12 h 34 min
